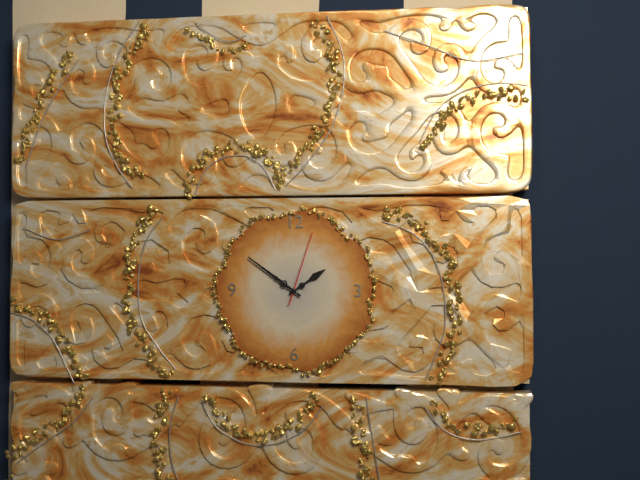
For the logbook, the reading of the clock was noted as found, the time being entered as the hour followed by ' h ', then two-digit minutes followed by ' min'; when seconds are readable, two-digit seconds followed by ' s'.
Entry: 1 h 51 min 03 s
